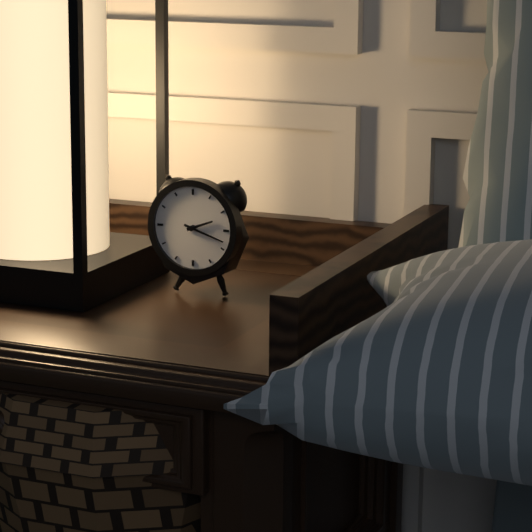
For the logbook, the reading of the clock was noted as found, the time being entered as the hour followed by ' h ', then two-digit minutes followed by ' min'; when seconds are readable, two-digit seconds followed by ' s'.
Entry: 2 h 18 min
